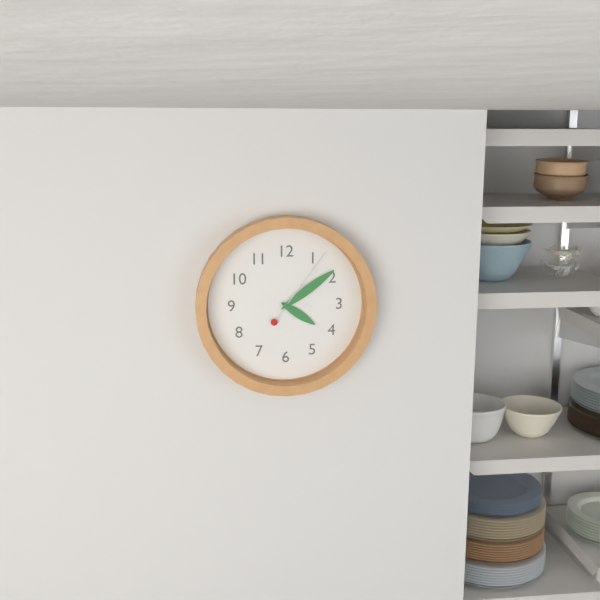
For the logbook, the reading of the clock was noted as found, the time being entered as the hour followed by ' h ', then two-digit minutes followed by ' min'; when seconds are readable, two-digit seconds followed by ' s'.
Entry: 4 h 09 min 06 s
